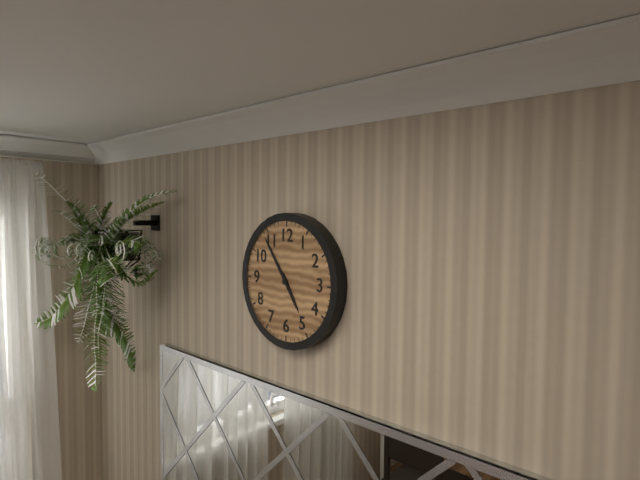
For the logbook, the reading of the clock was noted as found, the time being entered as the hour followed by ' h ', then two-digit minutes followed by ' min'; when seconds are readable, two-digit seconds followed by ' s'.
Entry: 4 h 54 min
